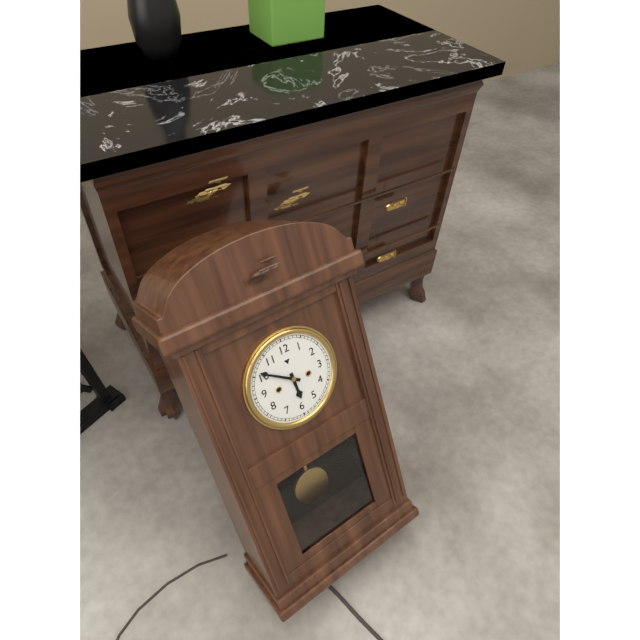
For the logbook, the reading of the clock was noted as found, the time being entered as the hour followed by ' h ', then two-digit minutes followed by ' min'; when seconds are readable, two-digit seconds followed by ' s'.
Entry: 5 h 51 min
